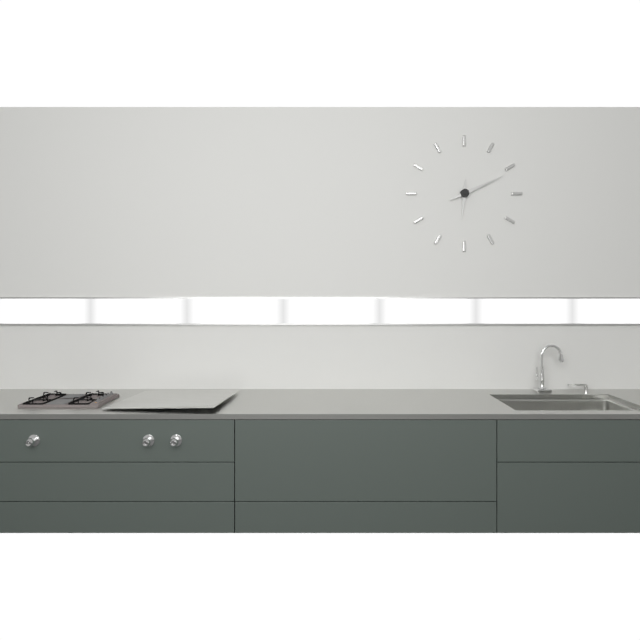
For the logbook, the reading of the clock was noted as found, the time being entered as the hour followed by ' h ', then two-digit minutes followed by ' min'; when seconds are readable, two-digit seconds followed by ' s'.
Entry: 6 h 11 min
